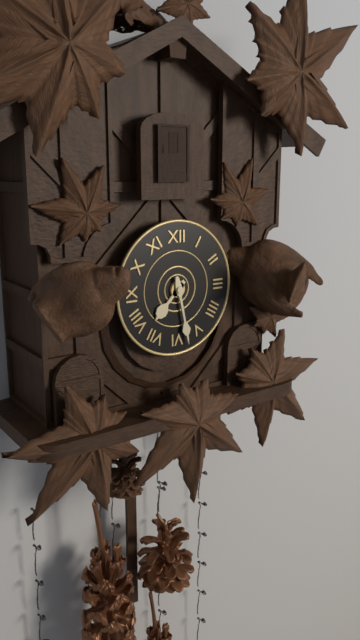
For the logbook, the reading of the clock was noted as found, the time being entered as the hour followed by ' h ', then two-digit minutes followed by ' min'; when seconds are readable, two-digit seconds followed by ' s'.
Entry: 7 h 28 min
